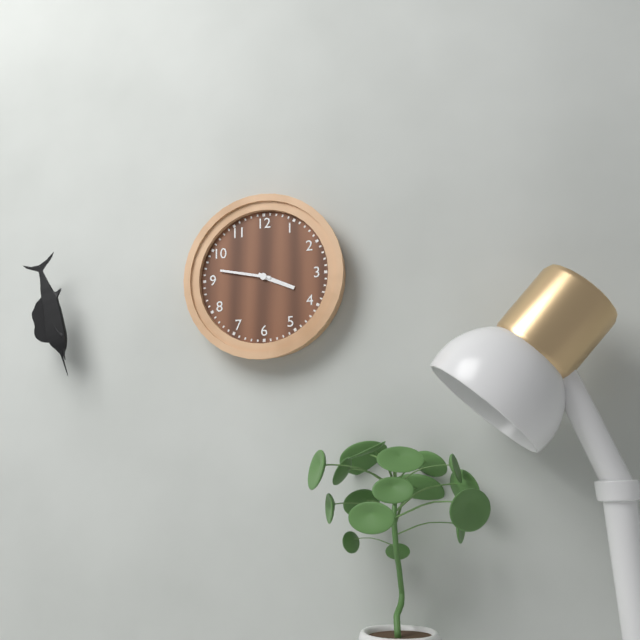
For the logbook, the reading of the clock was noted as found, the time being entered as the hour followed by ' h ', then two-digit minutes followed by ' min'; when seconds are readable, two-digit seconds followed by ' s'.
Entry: 3 h 47 min
